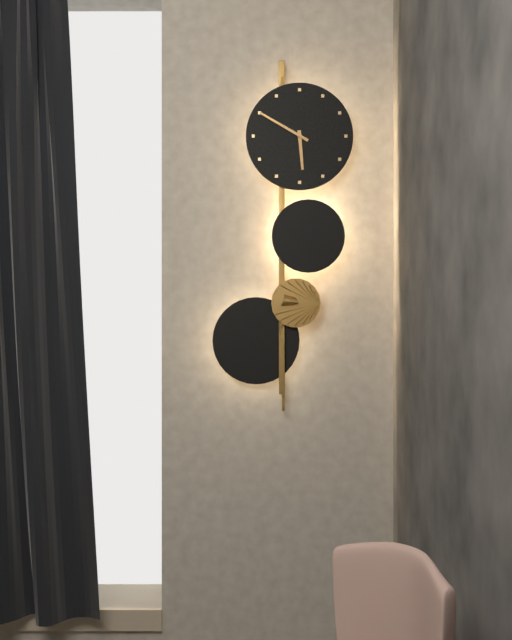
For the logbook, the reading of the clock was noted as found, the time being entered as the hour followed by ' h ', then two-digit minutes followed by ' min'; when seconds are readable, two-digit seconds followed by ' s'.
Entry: 5 h 50 min
